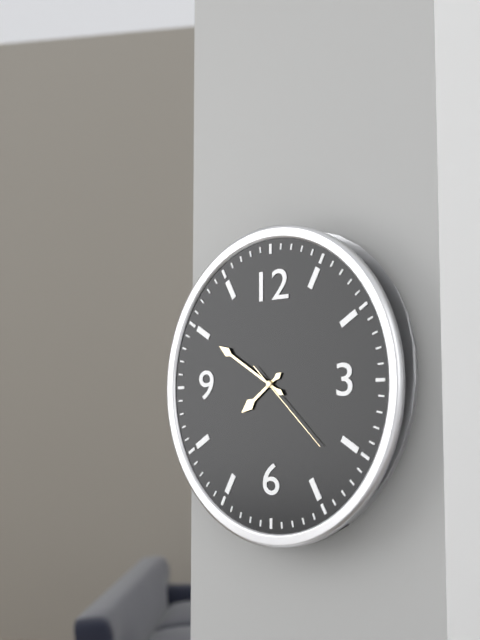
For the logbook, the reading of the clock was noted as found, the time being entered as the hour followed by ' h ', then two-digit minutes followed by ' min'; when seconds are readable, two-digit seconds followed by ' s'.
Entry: 7 h 50 min 22 s
